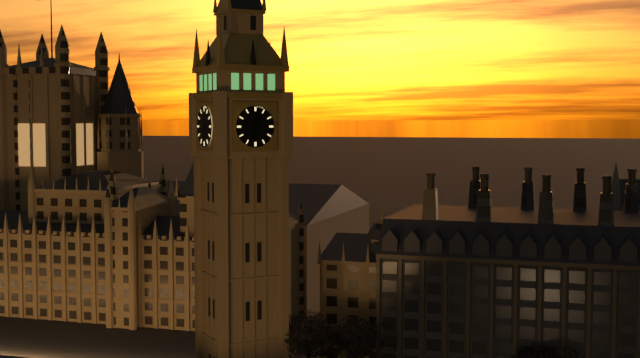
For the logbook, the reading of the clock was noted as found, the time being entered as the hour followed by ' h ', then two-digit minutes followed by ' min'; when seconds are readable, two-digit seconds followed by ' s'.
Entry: 6 h 02 min
